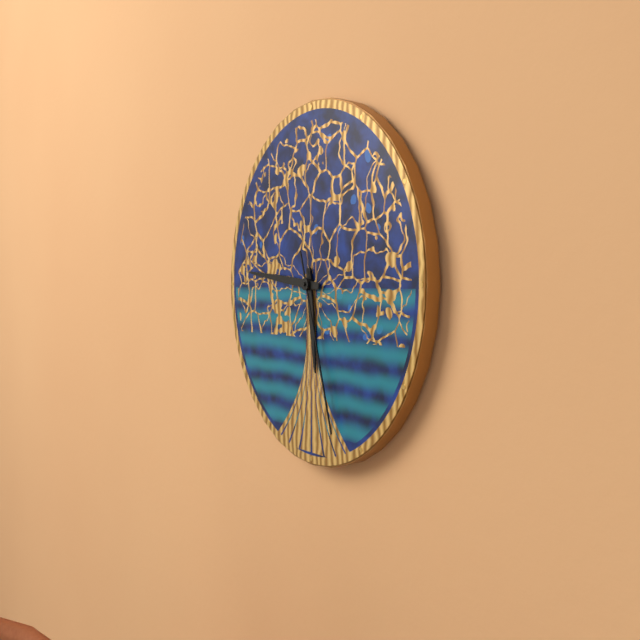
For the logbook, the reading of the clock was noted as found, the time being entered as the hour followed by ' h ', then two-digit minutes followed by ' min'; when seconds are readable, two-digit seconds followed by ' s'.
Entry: 5 h 46 min 27 s
